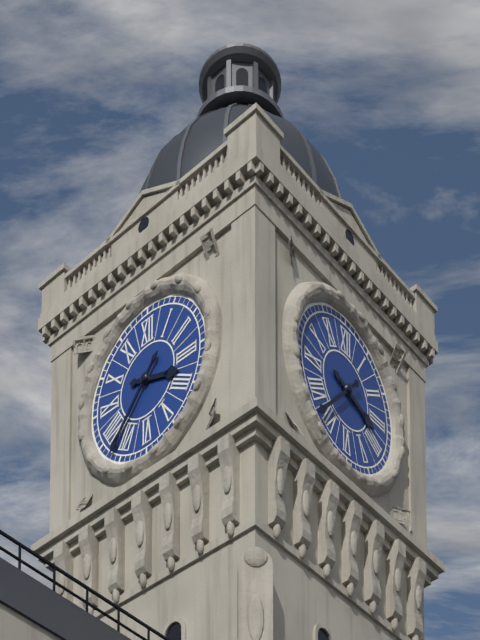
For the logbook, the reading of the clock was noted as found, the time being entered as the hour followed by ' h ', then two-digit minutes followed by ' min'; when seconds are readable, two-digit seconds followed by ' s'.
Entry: 3 h 37 min
